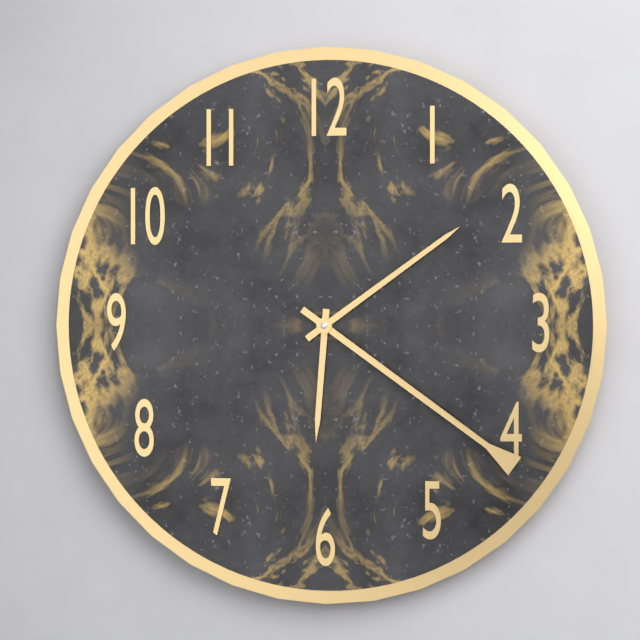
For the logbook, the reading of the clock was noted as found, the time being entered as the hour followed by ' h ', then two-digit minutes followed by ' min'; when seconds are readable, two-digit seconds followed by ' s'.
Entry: 6 h 09 min 21 s
